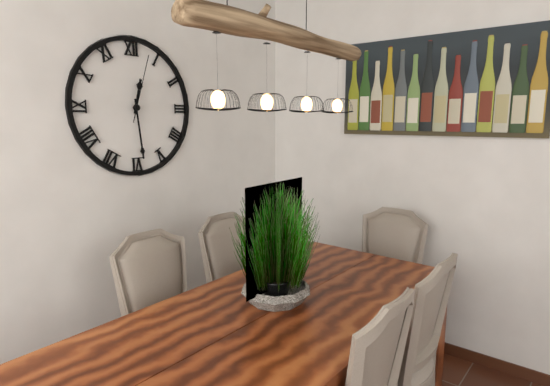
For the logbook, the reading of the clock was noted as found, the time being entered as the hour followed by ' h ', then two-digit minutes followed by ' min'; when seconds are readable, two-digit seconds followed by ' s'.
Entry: 12 h 29 min 03 s
